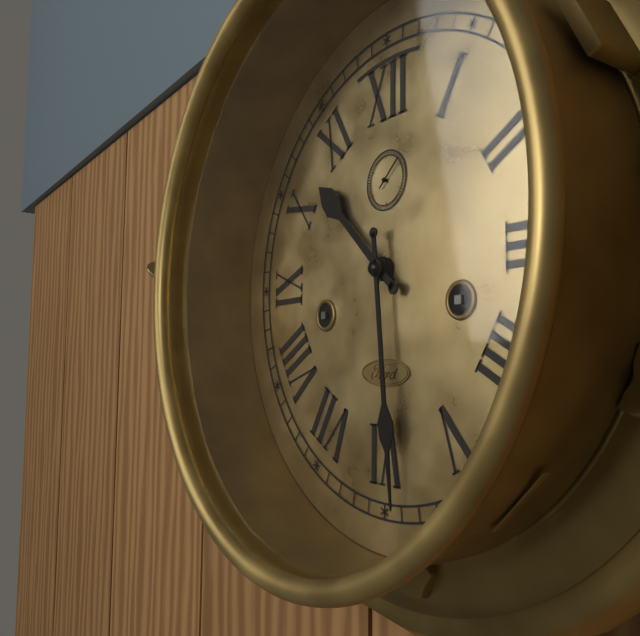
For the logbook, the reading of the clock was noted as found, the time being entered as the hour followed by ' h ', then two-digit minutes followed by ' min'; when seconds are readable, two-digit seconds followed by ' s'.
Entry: 10 h 29 min
